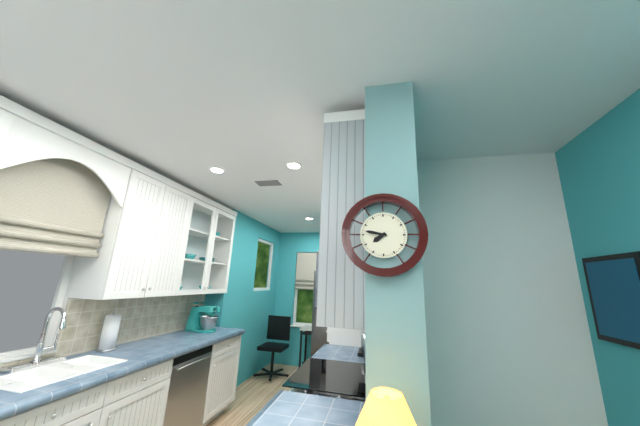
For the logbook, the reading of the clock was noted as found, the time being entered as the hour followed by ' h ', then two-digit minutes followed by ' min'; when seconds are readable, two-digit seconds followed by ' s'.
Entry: 7 h 47 min
